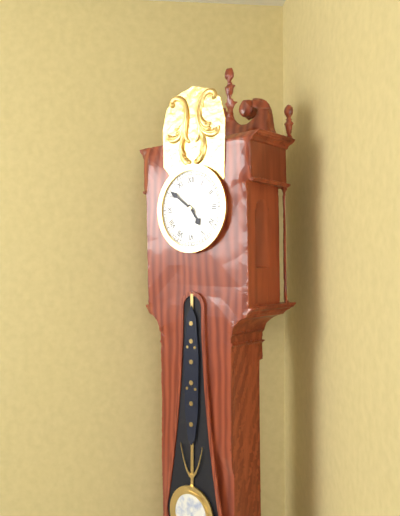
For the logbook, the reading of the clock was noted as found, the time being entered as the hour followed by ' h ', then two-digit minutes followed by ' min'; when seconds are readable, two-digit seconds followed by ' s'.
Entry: 4 h 51 min
